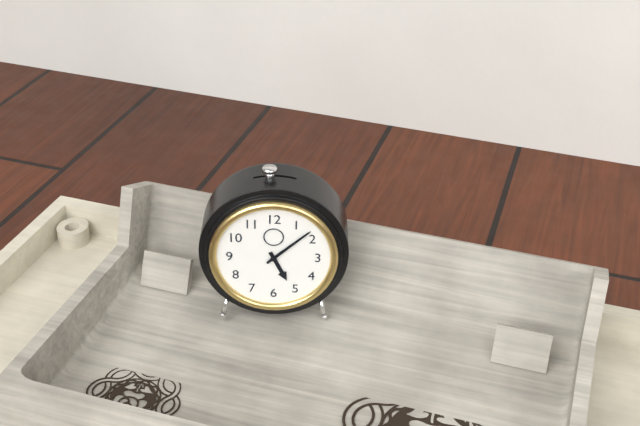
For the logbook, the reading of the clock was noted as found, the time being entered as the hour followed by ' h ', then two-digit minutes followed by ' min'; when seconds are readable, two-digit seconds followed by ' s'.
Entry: 5 h 08 min
